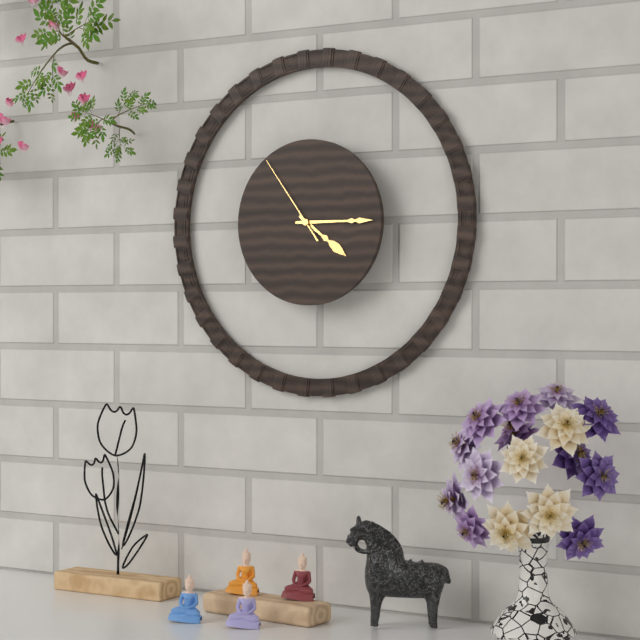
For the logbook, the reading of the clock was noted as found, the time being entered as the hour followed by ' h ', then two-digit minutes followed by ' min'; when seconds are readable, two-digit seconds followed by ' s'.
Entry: 4 h 15 min 54 s
